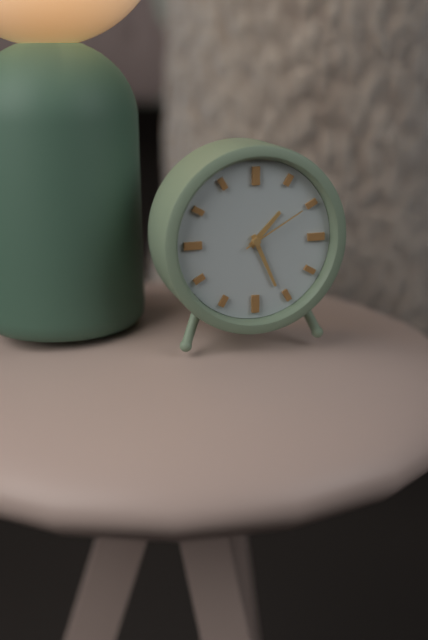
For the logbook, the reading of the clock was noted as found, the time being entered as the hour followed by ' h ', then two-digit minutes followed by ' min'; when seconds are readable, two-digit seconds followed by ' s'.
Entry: 1 h 26 min 10 s
